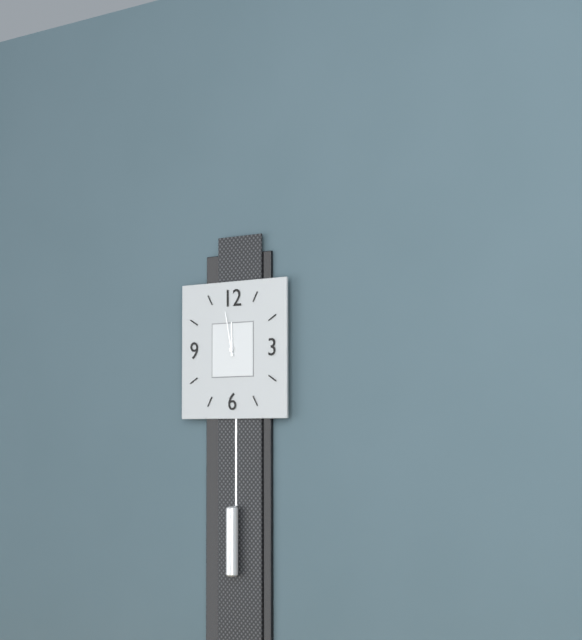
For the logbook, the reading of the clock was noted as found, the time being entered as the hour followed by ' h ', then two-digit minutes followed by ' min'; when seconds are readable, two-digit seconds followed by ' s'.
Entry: 11 h 58 min
